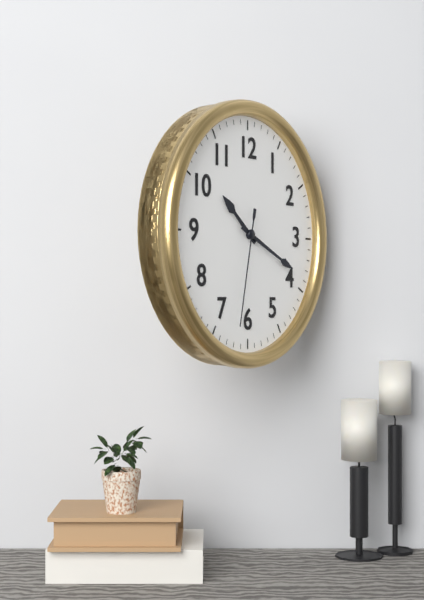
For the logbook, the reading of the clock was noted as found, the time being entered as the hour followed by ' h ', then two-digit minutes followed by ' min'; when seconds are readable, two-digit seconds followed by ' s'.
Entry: 10 h 19 min 32 s
